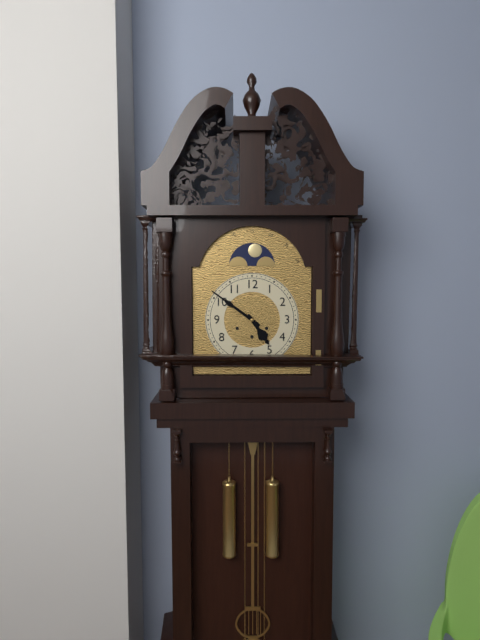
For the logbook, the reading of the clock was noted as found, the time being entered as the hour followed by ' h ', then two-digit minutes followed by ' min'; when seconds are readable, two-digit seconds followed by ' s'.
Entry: 4 h 51 min
